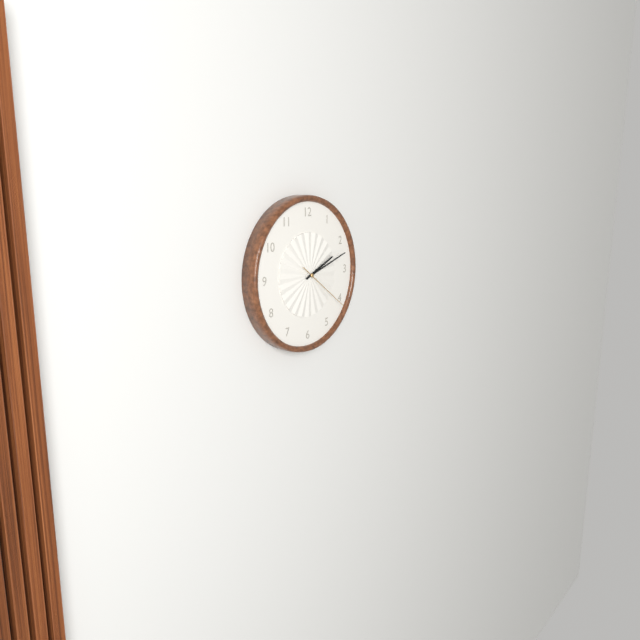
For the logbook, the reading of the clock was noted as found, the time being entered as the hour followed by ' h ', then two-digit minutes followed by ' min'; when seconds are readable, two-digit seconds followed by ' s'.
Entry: 2 h 12 min 21 s
